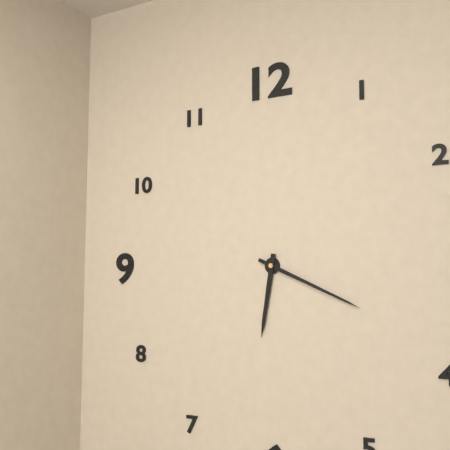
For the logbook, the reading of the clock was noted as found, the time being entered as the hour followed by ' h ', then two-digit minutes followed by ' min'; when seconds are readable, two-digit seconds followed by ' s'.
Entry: 6 h 19 min
